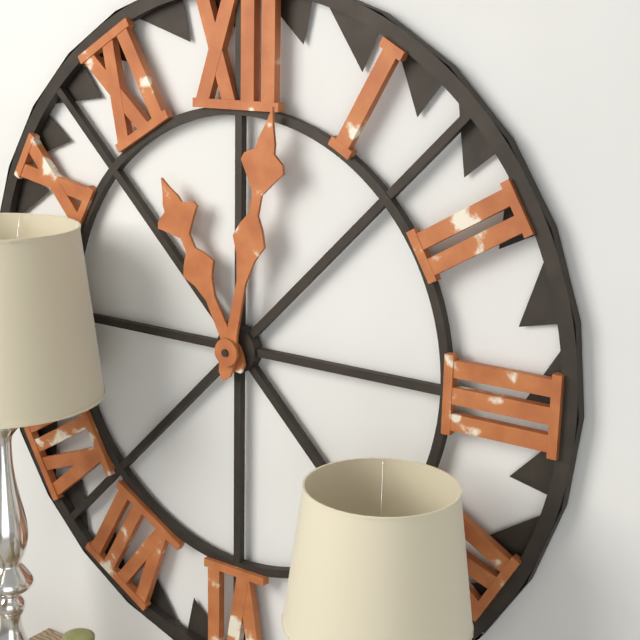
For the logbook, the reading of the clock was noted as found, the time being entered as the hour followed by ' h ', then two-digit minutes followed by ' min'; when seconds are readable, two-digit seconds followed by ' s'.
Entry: 11 h 02 min
